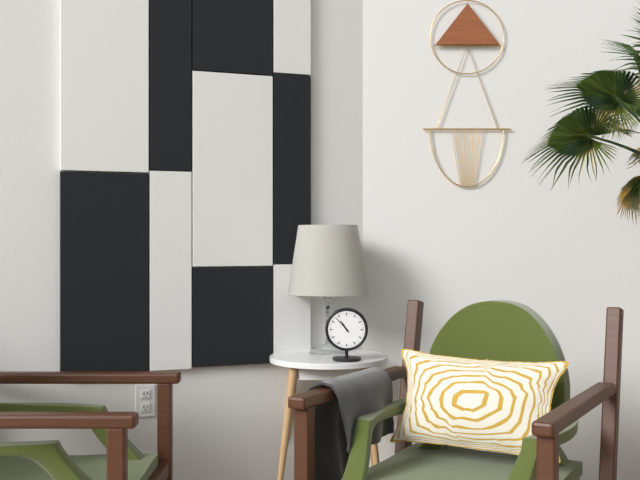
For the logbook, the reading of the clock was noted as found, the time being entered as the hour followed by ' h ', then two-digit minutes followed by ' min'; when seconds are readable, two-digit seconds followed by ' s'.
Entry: 10 h 53 min
